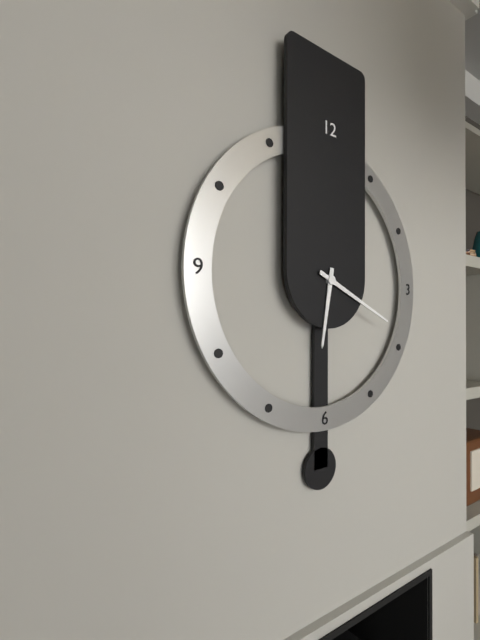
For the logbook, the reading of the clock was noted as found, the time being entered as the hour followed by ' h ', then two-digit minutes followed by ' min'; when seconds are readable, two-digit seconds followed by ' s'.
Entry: 6 h 19 min
